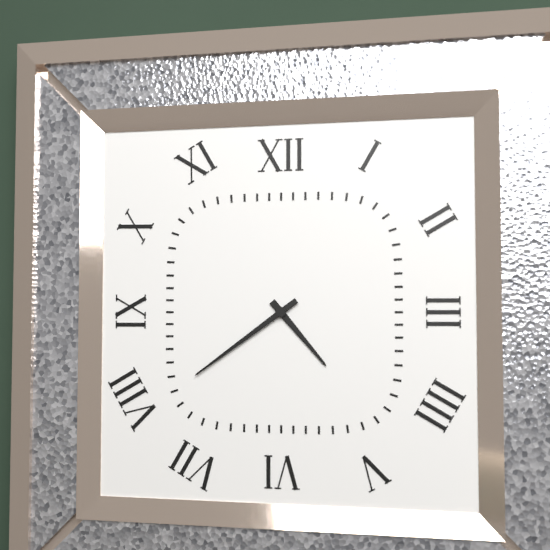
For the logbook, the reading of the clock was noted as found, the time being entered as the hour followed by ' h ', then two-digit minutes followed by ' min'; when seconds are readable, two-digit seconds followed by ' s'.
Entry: 4 h 39 min
